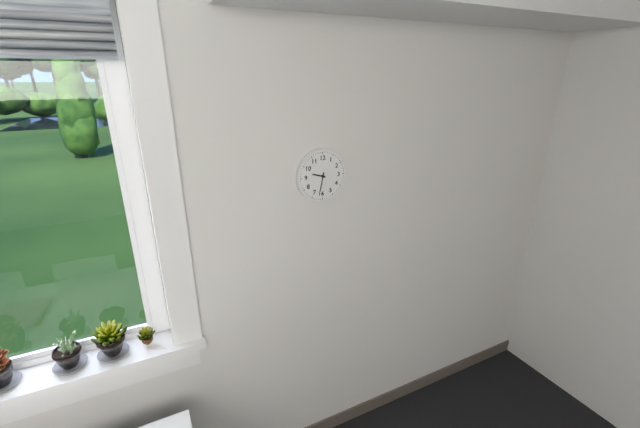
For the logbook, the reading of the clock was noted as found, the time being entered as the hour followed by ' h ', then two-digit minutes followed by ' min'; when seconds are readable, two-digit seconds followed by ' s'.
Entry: 9 h 32 min
